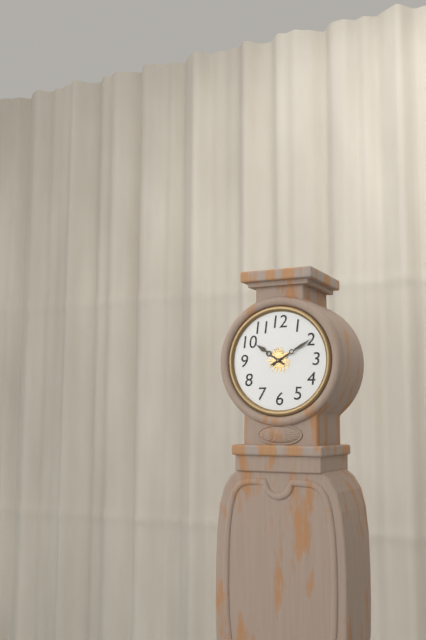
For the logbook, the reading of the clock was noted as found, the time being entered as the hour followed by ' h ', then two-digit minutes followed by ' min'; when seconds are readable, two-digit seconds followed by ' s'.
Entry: 10 h 10 min
